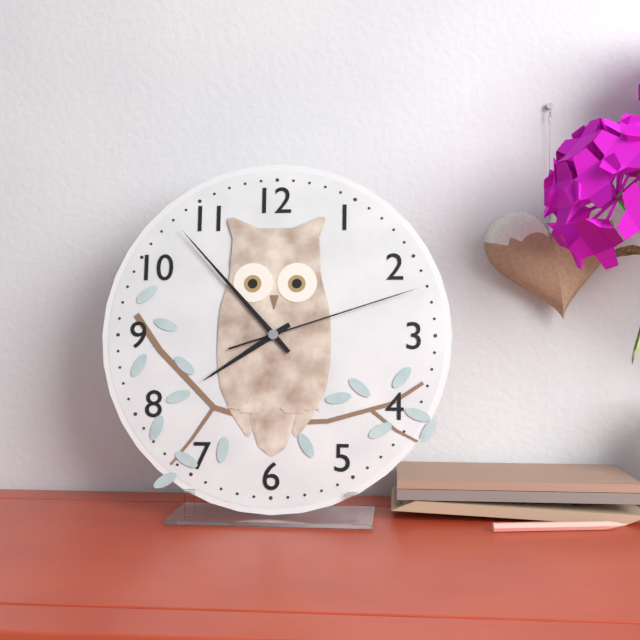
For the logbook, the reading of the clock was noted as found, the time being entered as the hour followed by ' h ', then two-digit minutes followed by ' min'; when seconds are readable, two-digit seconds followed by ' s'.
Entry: 7 h 53 min 12 s
